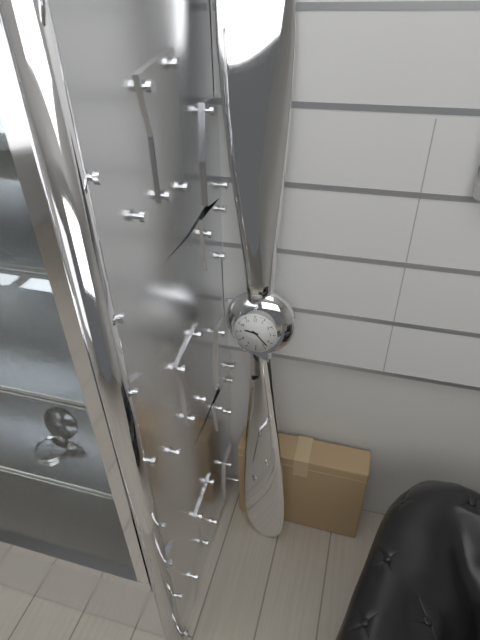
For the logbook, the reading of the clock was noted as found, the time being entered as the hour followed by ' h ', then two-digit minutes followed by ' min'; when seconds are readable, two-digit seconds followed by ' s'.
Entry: 9 h 23 min
